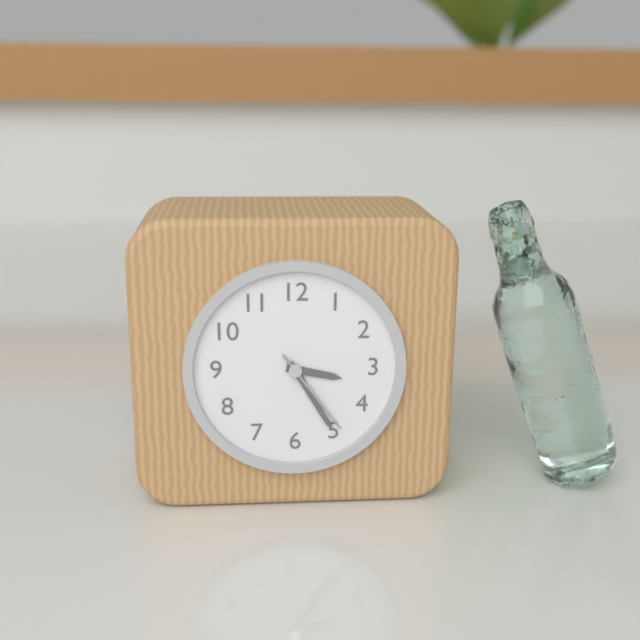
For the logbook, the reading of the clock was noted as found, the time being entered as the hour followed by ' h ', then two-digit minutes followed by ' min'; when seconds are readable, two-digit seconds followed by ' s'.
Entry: 3 h 25 min 24 s
